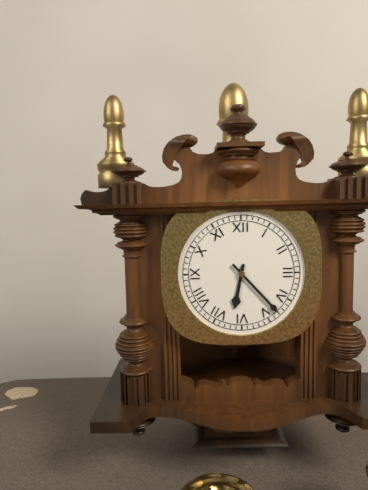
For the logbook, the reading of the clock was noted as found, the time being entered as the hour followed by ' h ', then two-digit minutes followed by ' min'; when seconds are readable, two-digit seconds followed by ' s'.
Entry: 6 h 23 min
